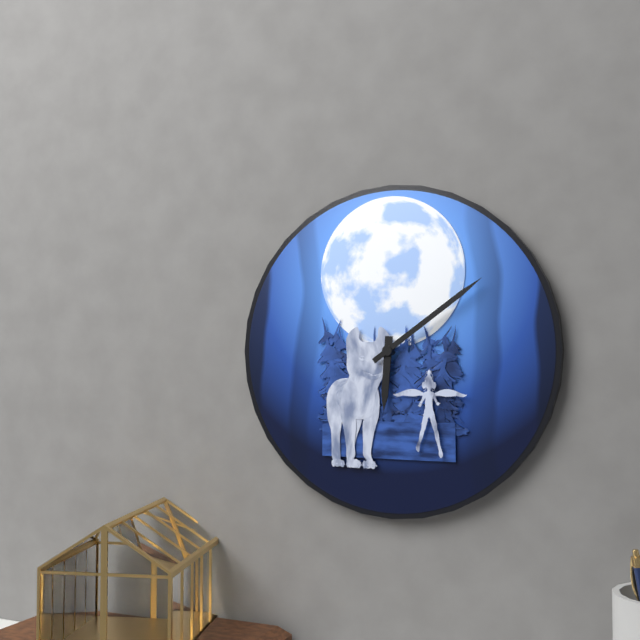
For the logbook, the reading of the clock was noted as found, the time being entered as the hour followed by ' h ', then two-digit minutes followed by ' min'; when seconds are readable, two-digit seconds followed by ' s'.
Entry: 6 h 09 min
